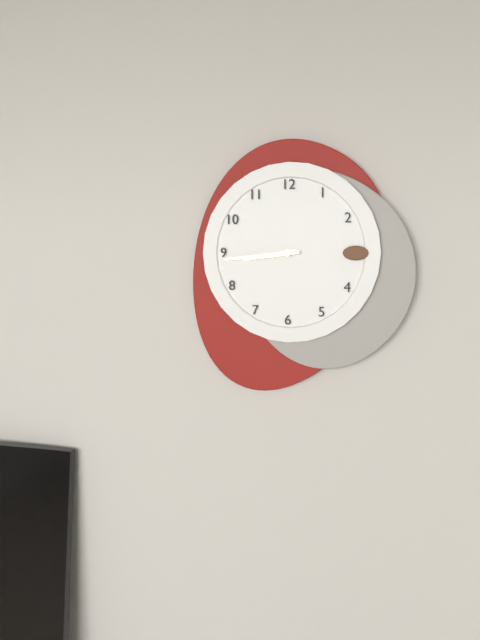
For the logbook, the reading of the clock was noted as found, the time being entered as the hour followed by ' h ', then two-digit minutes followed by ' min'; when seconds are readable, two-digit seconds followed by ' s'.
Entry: 8 h 44 min
